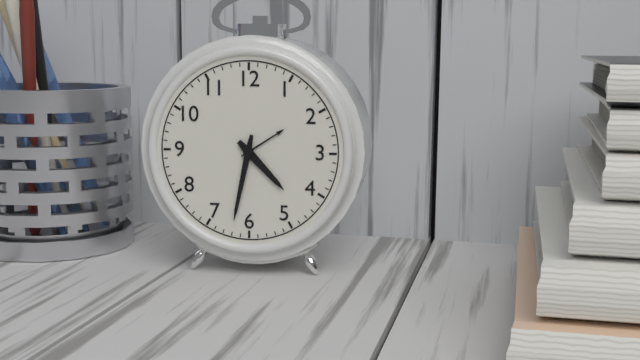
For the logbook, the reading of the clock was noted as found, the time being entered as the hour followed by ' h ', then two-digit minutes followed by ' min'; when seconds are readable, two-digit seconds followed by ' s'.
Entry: 4 h 32 min
